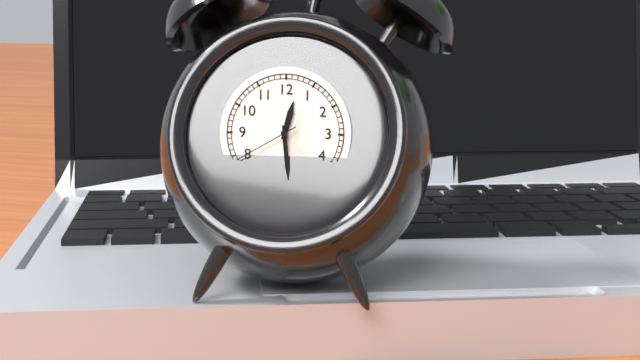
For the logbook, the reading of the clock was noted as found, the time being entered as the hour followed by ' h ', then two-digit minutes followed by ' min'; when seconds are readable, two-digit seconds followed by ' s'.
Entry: 12 h 29 min 40 s
